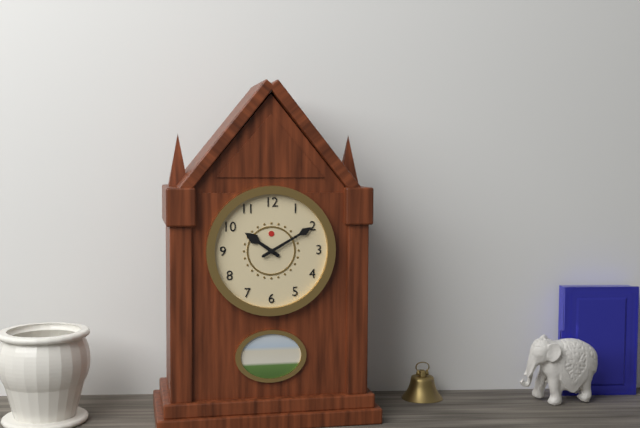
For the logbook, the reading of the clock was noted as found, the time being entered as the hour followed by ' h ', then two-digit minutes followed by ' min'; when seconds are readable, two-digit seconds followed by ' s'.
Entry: 10 h 10 min
